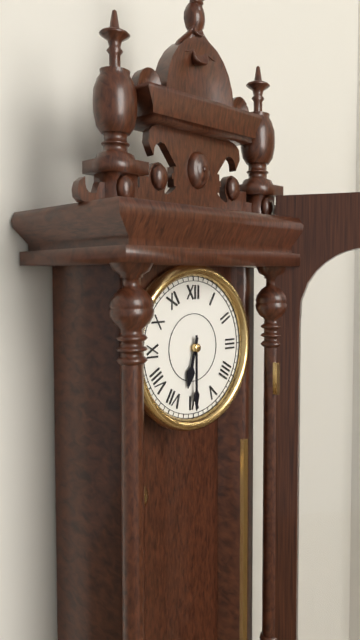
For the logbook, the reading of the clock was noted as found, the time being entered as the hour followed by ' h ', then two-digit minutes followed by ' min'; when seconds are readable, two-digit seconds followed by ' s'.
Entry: 6 h 30 min
